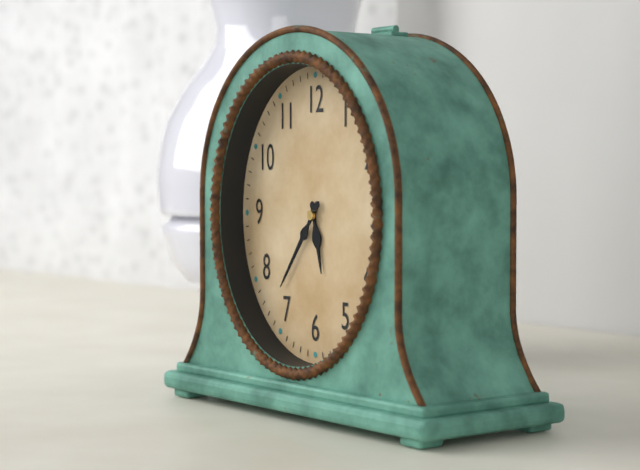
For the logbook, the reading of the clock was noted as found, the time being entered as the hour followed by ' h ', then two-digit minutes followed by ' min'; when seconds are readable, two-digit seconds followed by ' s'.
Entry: 5 h 36 min
